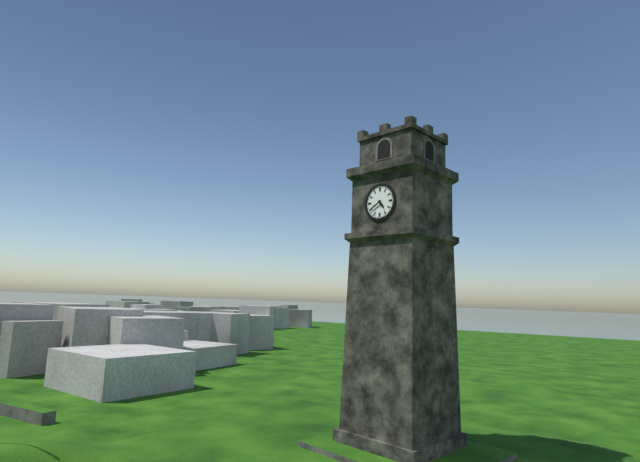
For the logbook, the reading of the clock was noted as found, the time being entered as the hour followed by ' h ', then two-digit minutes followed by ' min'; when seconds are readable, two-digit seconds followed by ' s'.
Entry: 4 h 40 min
